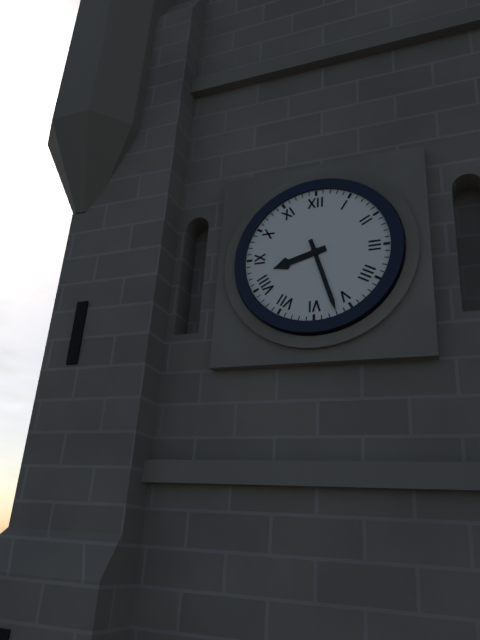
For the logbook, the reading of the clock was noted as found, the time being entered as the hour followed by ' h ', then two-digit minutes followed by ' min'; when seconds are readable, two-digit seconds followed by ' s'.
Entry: 8 h 27 min
